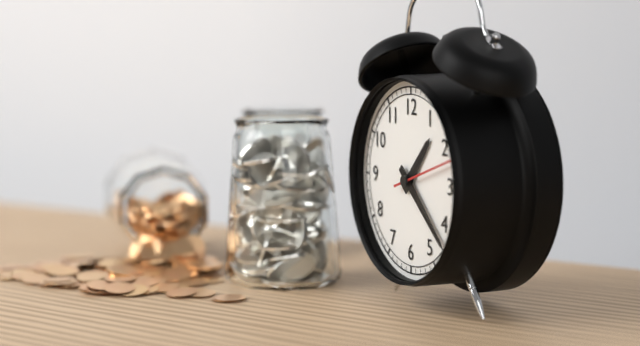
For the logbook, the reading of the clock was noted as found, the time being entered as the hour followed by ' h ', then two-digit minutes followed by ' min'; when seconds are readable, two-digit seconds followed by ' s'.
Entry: 1 h 22 min 12 s
